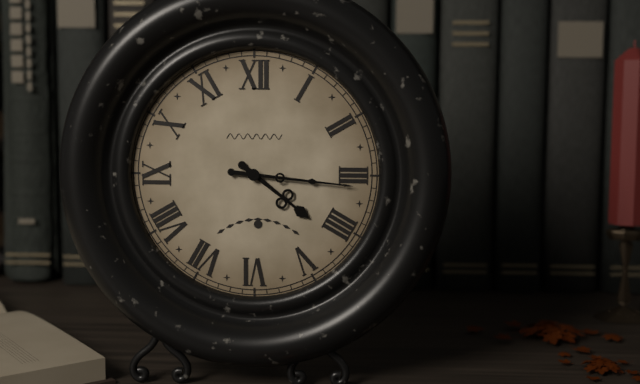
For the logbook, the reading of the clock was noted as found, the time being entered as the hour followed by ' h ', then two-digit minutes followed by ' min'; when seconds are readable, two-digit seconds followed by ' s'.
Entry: 4 h 16 min
